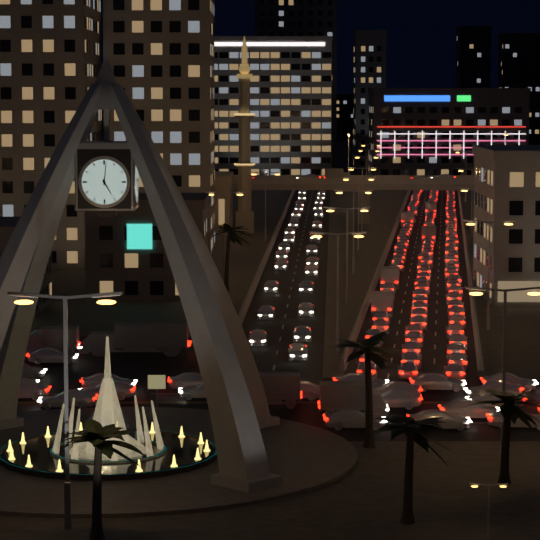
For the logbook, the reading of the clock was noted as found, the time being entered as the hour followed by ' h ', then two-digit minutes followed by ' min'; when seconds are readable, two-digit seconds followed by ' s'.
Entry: 5 h 01 min
